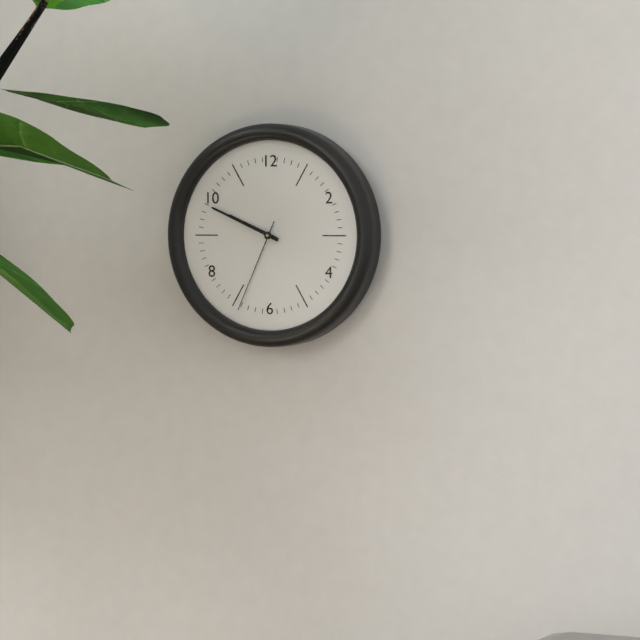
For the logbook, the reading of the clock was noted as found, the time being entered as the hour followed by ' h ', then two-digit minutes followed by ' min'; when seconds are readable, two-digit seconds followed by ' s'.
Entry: 9 h 49 min 34 s
